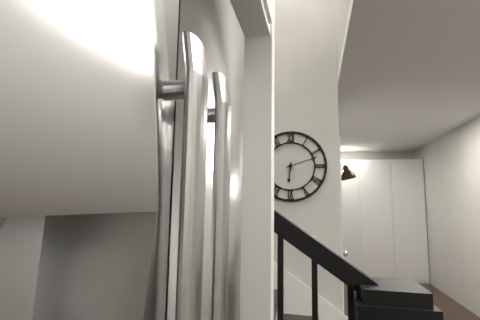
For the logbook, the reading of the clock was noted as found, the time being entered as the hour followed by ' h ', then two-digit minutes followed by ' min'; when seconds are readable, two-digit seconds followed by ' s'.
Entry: 6 h 12 min
